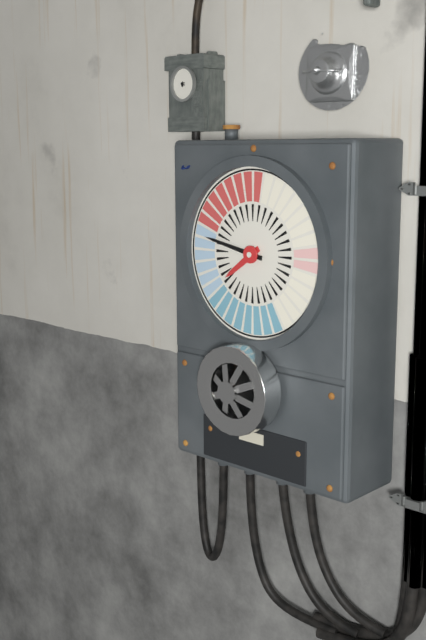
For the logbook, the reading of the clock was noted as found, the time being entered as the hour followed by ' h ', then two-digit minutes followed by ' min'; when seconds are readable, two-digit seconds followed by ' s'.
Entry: 7 h 47 min
